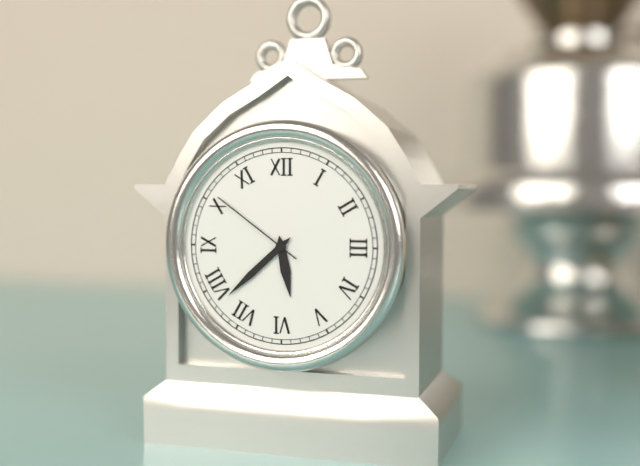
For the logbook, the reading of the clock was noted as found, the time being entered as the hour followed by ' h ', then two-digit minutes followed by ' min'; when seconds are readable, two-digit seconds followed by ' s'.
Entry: 5 h 38 min 51 s
